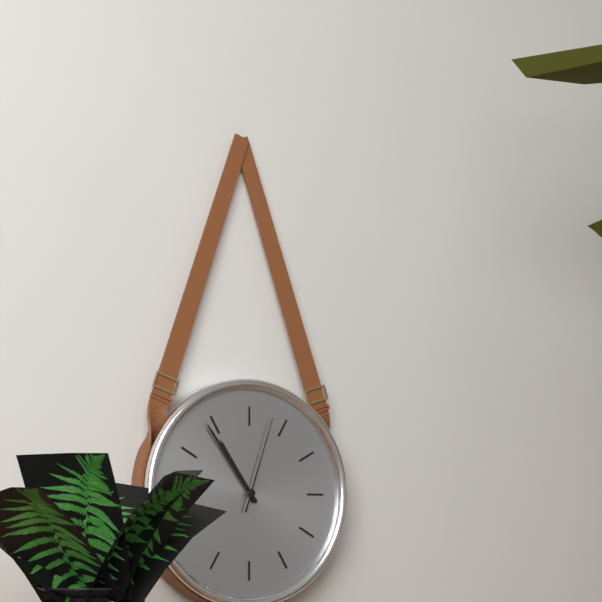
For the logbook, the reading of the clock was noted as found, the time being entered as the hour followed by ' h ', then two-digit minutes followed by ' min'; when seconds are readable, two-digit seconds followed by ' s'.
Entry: 10 h 54 min 03 s
